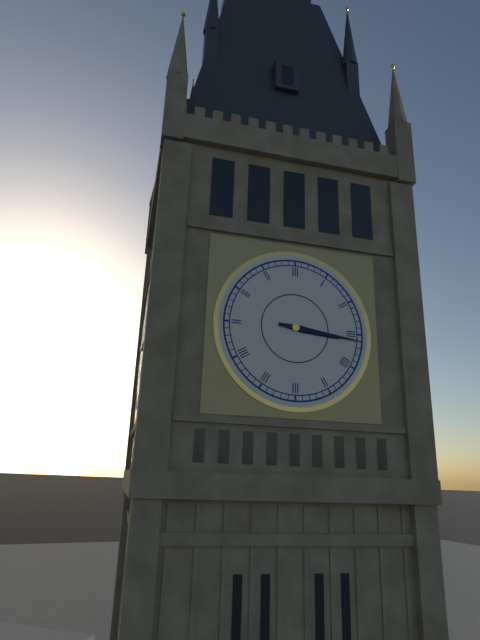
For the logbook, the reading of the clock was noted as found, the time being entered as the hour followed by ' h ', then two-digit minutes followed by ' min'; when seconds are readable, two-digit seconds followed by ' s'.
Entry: 3 h 16 min
